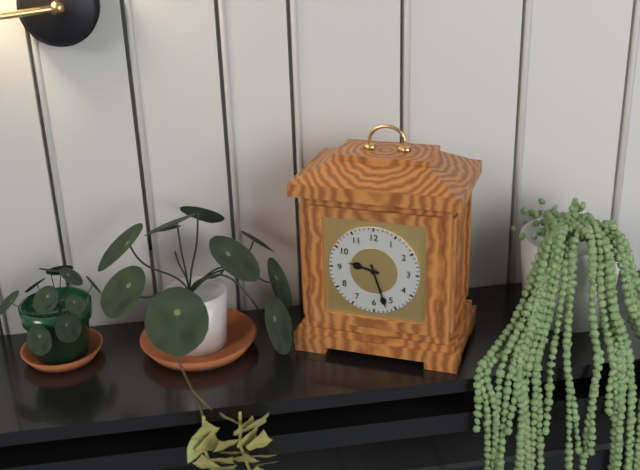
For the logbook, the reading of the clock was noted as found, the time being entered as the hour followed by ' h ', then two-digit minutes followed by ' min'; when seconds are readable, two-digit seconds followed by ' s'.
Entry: 9 h 27 min
